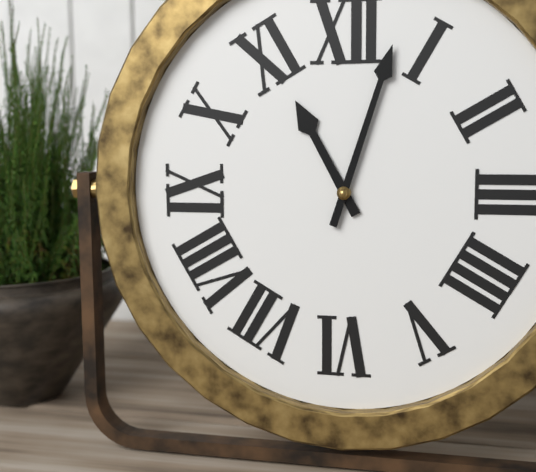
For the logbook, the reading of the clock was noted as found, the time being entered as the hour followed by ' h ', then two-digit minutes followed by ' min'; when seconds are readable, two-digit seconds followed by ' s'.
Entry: 11 h 03 min
